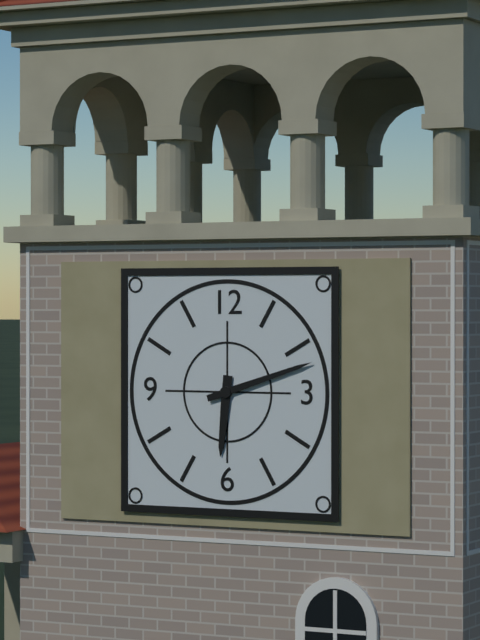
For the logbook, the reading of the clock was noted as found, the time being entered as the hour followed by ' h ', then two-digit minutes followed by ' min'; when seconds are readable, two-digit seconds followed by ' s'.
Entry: 6 h 12 min
